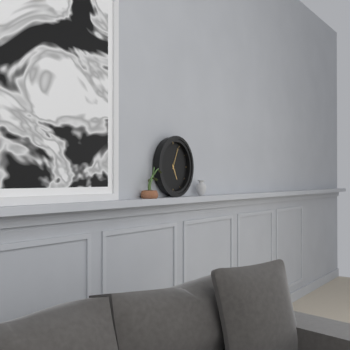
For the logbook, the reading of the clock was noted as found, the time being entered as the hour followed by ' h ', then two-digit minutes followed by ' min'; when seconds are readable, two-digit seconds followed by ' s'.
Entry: 5 h 04 min
